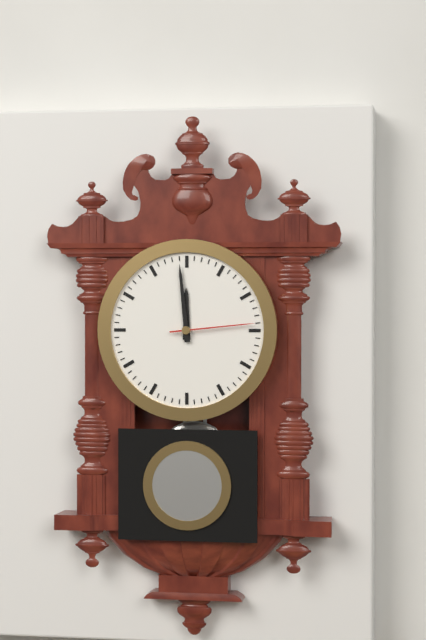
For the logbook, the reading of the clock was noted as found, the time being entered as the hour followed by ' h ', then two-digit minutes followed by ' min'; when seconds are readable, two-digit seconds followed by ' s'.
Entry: 11 h 59 min 14 s
